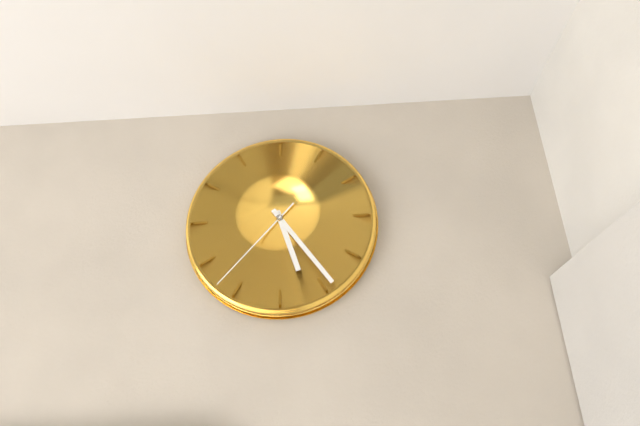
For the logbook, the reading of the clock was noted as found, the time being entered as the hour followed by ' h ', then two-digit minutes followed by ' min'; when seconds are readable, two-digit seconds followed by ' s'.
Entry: 5 h 24 min 37 s
